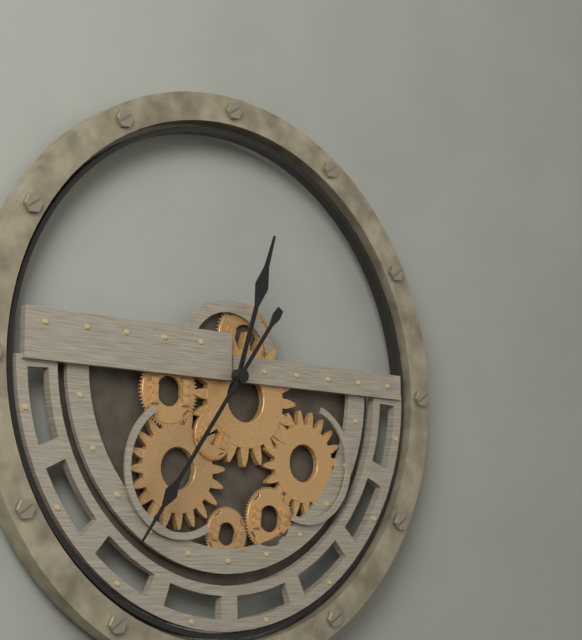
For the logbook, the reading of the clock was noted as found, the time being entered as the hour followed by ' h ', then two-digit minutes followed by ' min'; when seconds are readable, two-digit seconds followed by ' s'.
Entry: 12 h 36 min
